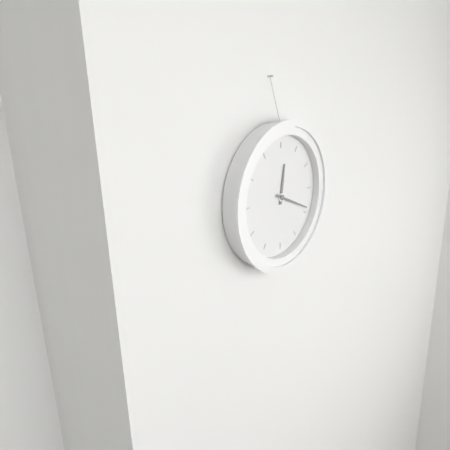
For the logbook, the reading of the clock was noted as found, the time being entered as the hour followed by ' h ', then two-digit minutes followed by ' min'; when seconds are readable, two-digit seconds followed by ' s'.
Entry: 12 h 19 min
